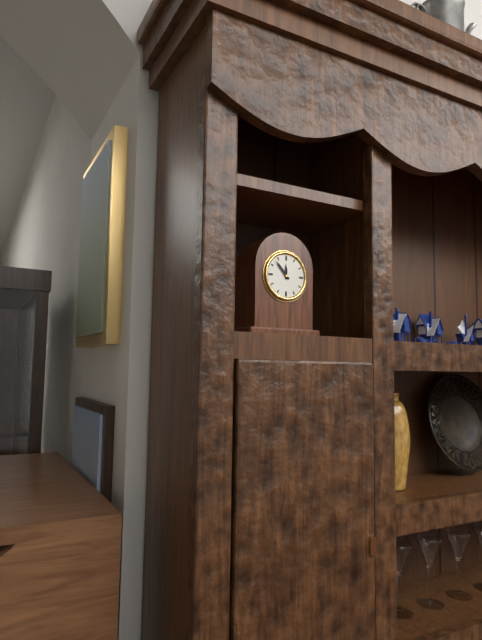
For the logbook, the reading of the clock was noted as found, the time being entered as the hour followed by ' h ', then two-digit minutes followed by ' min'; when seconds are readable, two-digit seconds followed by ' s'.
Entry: 11 h 53 min
